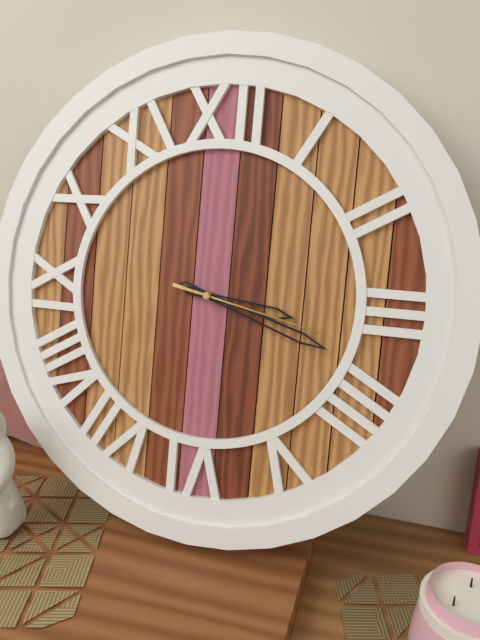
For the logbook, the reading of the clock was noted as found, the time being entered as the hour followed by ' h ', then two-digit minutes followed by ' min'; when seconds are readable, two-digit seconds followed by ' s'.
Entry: 3 h 18 min 17 s
